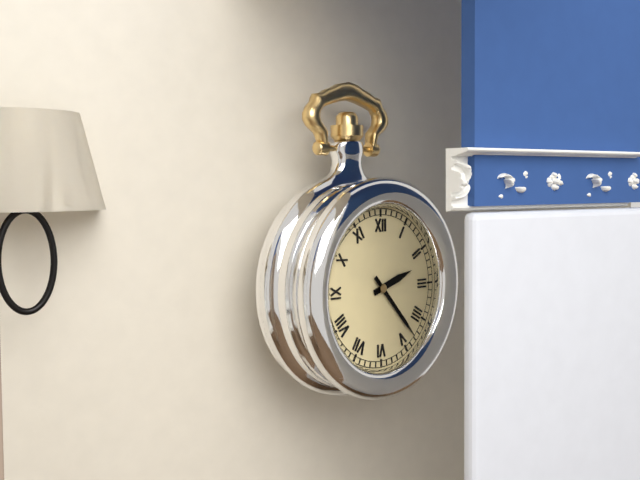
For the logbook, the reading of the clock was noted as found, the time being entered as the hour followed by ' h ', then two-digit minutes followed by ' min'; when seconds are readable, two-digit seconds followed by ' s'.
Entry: 2 h 23 min
